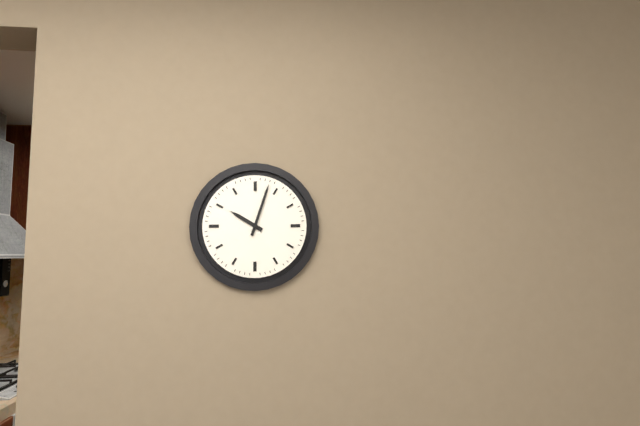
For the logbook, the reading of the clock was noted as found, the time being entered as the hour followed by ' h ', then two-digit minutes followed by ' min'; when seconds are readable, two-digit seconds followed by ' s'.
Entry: 10 h 03 min
